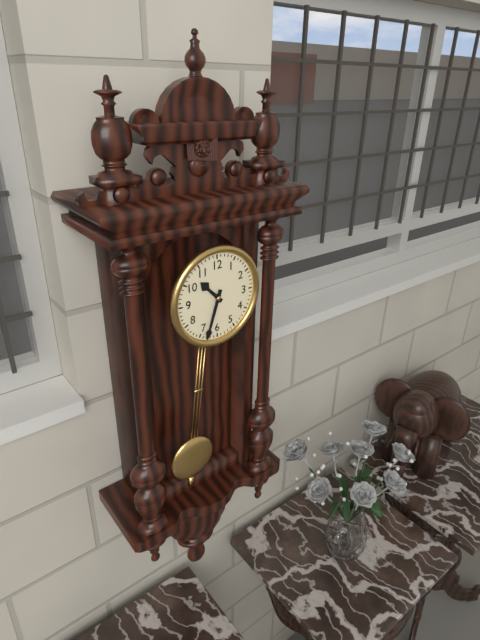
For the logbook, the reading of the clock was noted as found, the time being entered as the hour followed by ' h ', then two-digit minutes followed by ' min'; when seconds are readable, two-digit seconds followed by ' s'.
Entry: 10 h 33 min
